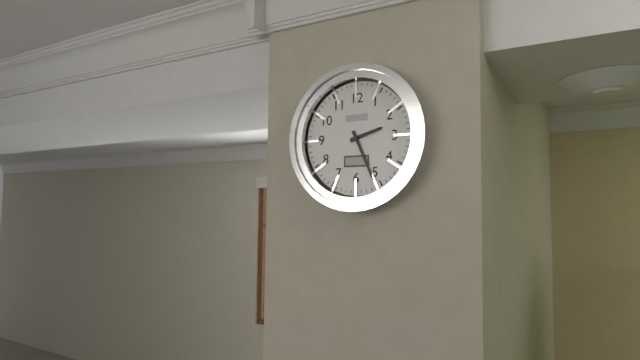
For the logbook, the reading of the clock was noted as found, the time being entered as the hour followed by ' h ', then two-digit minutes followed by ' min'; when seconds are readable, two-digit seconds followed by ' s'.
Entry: 2 h 26 min
